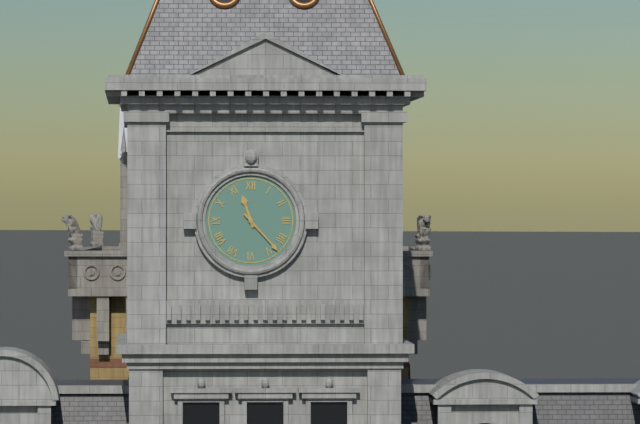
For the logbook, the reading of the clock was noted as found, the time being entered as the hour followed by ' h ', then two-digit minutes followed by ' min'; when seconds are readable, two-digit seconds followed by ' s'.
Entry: 11 h 23 min
